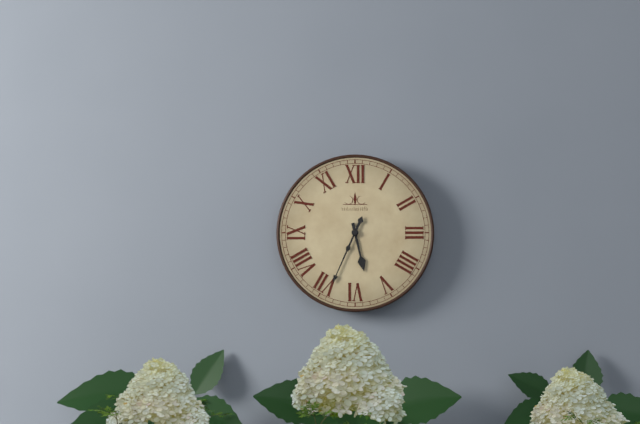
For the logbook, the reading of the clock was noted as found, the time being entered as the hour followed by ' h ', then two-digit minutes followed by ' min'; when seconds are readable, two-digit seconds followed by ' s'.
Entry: 5 h 34 min
